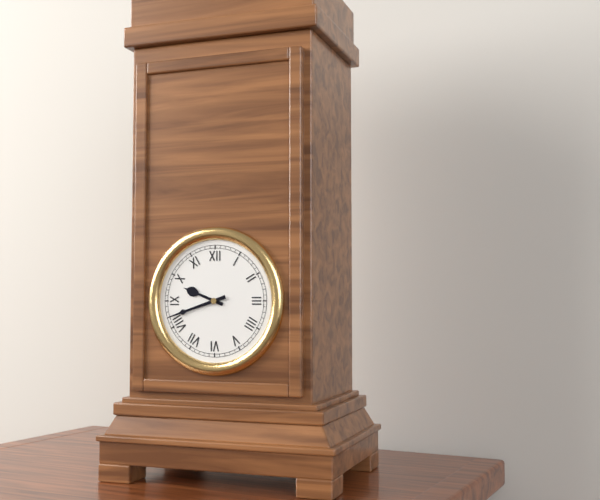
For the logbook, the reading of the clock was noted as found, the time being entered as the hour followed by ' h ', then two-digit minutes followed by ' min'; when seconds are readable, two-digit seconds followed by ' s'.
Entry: 9 h 42 min
